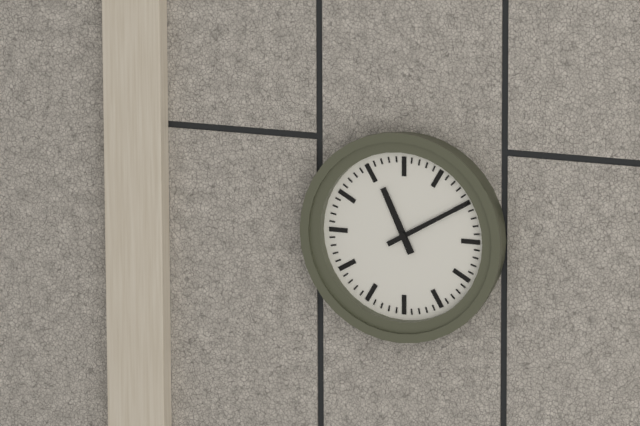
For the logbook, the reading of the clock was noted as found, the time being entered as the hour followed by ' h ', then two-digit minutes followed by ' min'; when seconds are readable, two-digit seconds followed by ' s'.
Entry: 11 h 10 min
